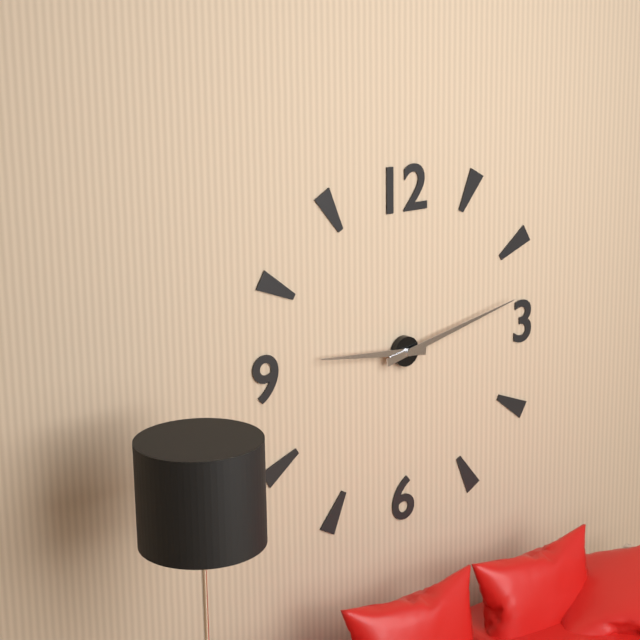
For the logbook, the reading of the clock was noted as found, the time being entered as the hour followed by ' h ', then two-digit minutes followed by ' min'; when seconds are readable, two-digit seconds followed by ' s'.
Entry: 9 h 13 min
